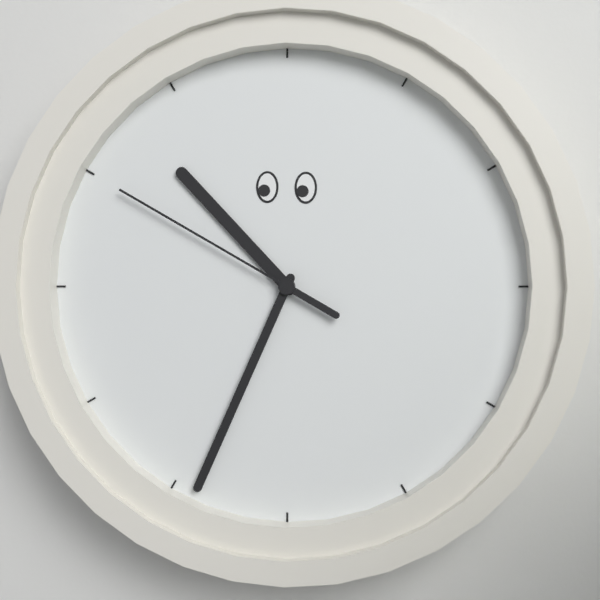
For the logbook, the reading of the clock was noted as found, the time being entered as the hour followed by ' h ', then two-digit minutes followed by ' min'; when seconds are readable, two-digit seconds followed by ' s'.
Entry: 10 h 34 min 50 s
